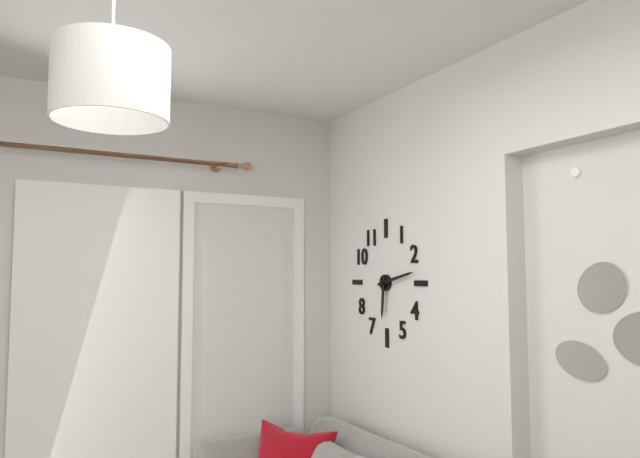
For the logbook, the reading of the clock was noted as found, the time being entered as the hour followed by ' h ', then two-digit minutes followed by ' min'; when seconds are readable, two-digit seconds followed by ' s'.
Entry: 6 h 13 min
